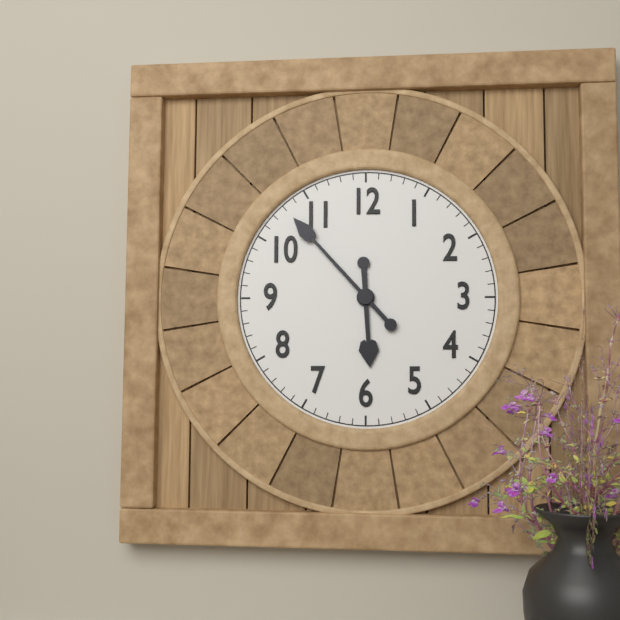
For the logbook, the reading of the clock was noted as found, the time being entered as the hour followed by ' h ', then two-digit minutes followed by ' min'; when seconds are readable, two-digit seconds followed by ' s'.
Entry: 5 h 53 min
